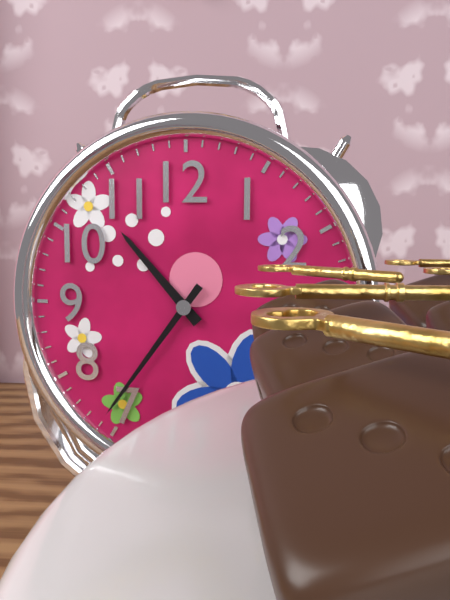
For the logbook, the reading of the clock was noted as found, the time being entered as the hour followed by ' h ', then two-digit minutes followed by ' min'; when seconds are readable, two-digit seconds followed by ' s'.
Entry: 10 h 36 min
